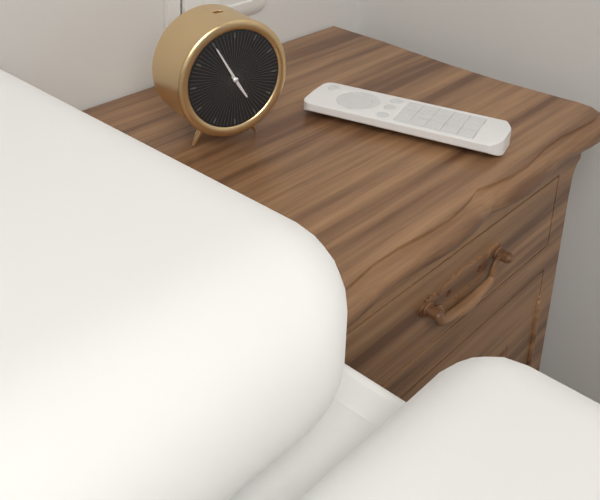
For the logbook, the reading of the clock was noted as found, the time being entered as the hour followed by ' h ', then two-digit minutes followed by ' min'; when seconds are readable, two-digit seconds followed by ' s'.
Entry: 4 h 55 min
